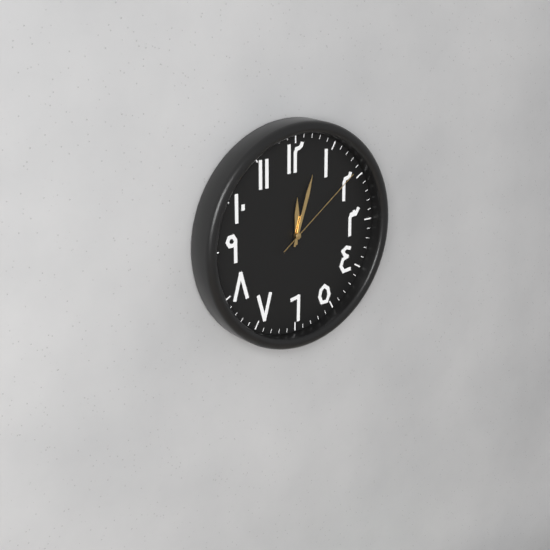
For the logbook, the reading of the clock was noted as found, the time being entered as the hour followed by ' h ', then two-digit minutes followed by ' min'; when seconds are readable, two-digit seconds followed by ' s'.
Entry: 12 h 03 min 09 s
